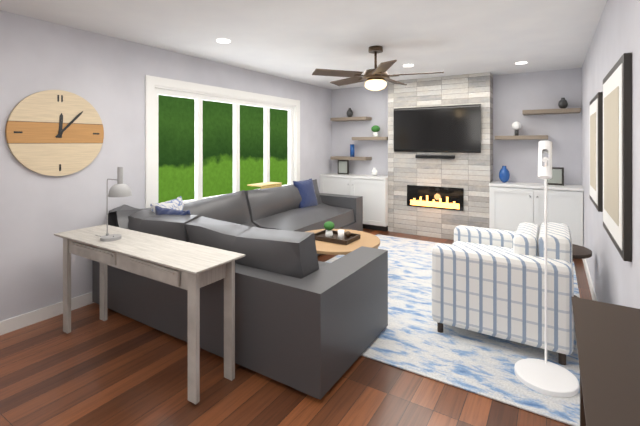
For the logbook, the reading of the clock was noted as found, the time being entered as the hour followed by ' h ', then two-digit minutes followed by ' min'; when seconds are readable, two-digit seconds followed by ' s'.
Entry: 12 h 07 min
